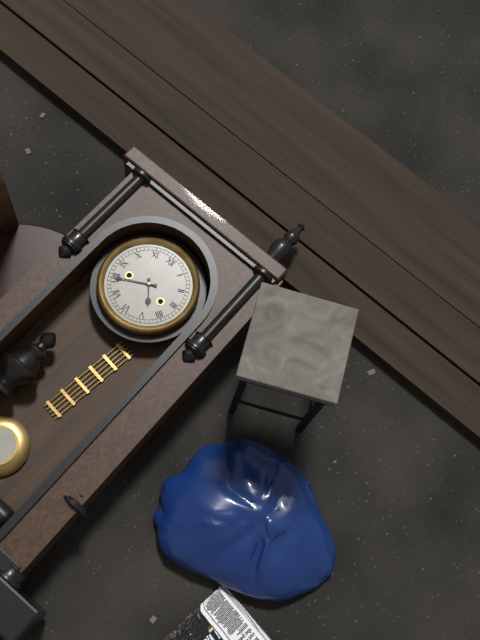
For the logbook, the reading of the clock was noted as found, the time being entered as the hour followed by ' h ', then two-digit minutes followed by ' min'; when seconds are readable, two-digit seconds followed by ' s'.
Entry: 4 h 40 min
